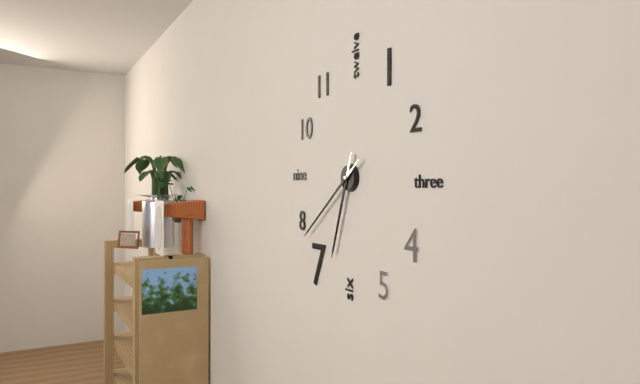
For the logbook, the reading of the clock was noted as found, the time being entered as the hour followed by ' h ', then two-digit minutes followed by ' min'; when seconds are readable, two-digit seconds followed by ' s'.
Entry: 6 h 39 min
